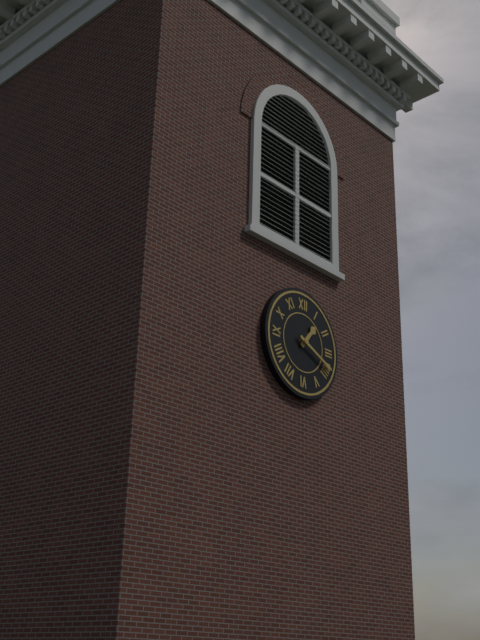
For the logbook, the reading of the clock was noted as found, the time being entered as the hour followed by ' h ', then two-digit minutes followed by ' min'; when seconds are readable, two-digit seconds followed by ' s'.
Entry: 1 h 19 min
